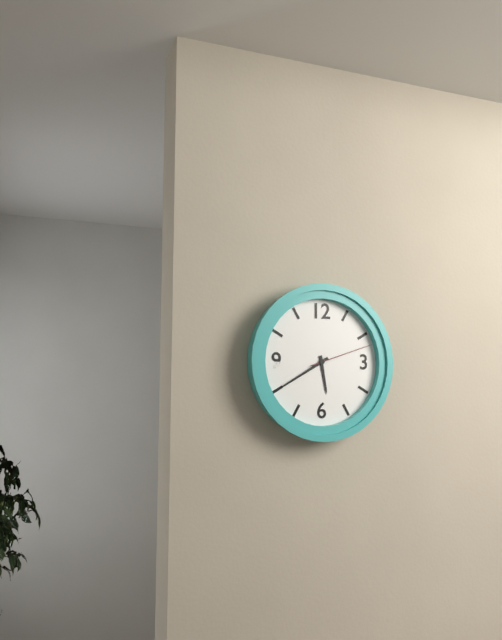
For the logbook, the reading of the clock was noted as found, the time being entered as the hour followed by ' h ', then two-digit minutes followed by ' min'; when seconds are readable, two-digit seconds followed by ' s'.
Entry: 5 h 40 min 12 s
